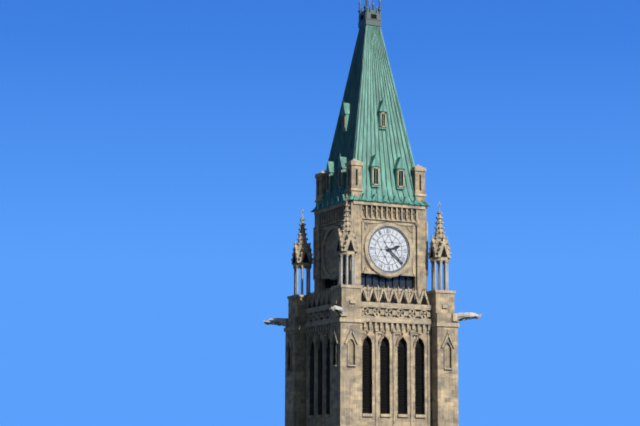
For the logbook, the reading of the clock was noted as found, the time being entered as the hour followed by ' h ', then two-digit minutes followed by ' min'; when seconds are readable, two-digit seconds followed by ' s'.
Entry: 2 h 22 min
